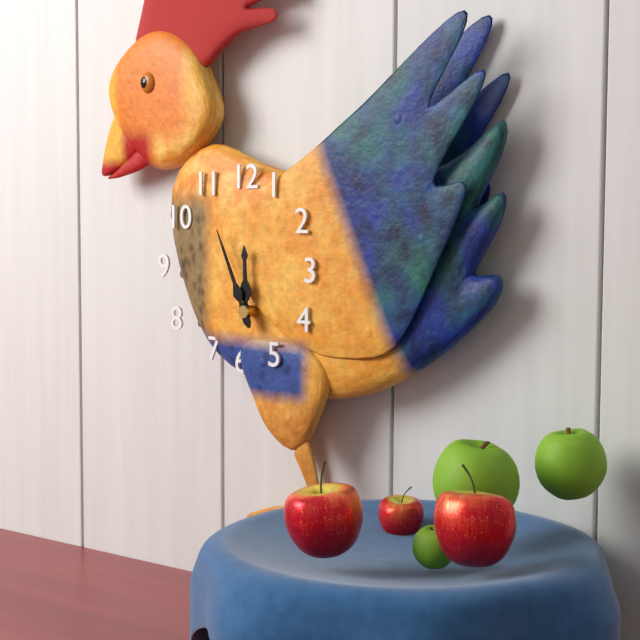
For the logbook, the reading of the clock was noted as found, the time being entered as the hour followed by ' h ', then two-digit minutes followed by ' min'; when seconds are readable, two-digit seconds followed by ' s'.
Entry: 11 h 56 min
